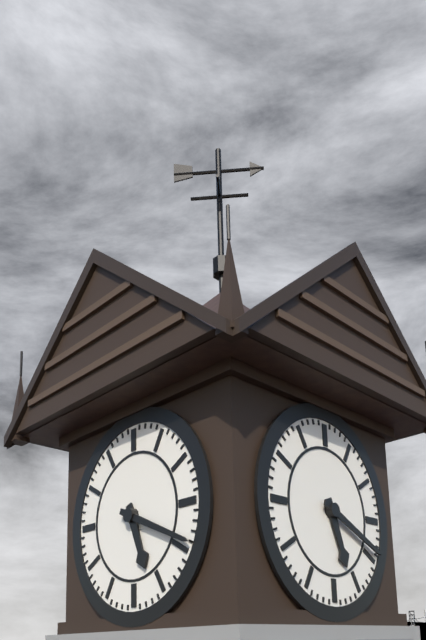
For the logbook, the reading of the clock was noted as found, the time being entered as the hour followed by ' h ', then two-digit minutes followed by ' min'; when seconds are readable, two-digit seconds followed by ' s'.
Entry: 5 h 19 min
